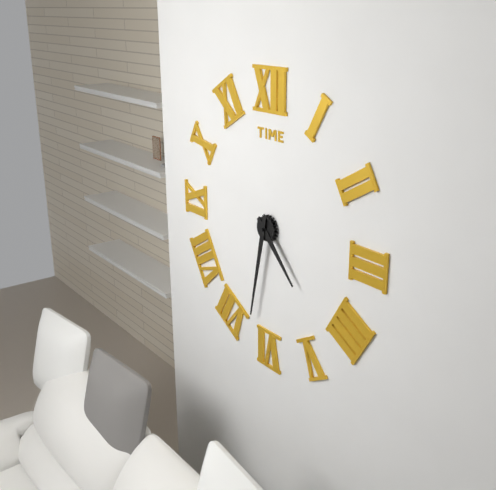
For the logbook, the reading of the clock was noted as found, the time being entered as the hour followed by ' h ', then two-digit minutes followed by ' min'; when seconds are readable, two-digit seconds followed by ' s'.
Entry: 4 h 32 min
